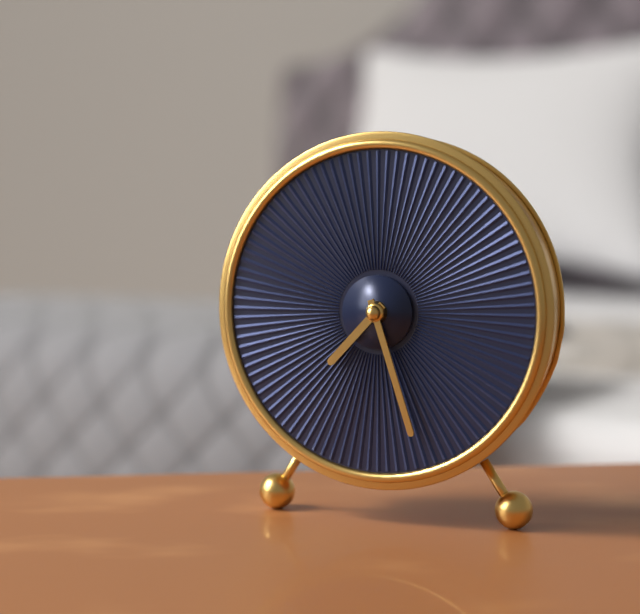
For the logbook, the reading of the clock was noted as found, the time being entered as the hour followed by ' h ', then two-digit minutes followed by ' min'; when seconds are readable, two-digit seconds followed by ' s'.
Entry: 7 h 27 min
